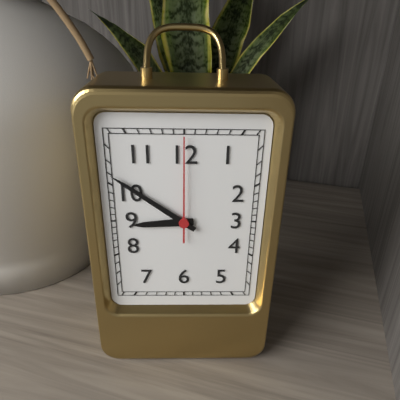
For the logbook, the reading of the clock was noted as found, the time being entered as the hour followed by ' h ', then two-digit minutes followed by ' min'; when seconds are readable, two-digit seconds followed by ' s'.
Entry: 8 h 51 min 00 s
